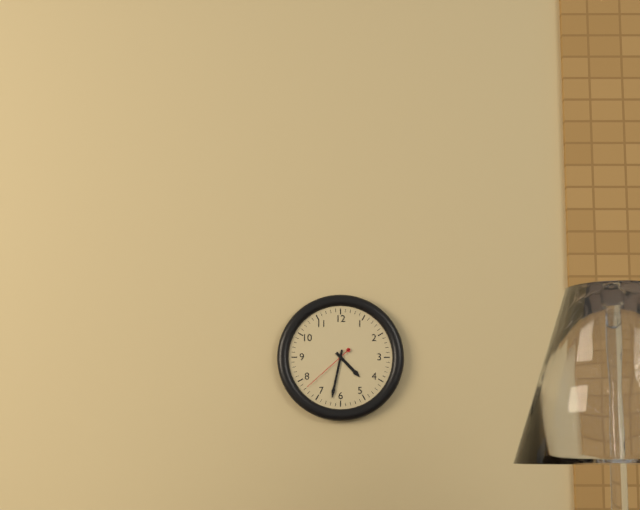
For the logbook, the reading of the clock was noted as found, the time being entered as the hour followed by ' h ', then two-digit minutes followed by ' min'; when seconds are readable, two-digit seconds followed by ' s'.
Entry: 4 h 32 min 38 s
